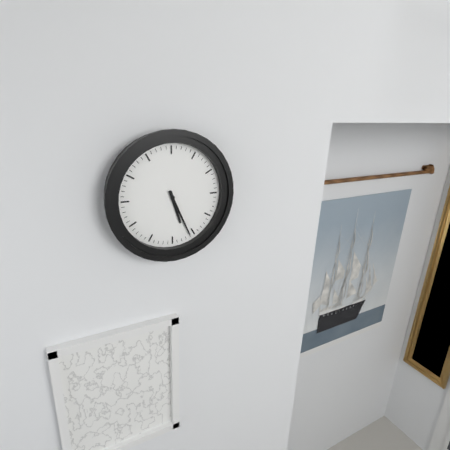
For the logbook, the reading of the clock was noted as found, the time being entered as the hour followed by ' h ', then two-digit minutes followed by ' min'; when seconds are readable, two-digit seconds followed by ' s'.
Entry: 5 h 26 min
